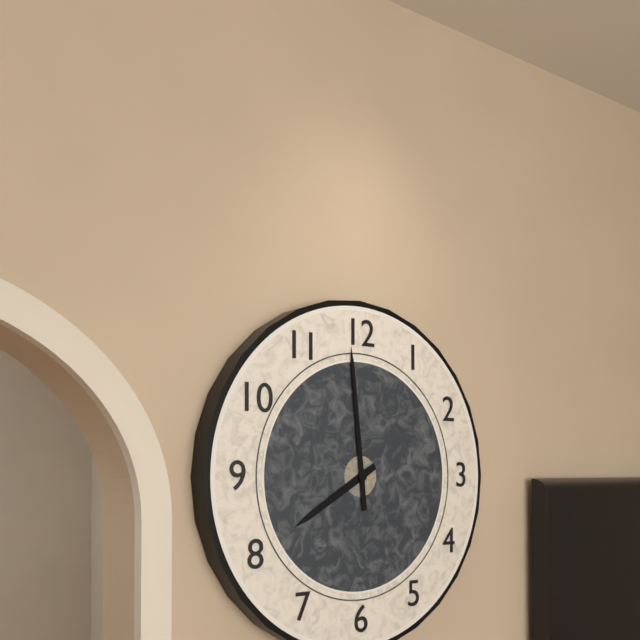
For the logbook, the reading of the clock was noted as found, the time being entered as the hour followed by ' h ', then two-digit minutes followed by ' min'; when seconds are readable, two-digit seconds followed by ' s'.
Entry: 7 h 59 min
